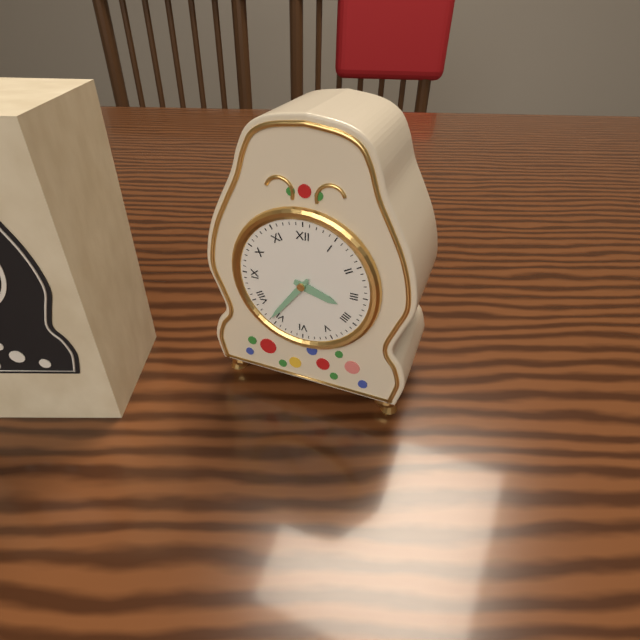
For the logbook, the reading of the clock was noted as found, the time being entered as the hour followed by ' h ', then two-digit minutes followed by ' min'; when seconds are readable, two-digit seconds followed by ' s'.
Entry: 3 h 36 min
